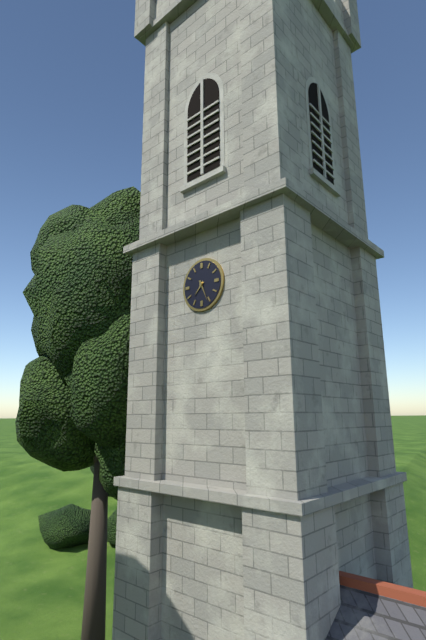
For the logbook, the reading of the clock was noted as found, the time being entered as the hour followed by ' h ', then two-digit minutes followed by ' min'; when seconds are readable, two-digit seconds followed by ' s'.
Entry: 7 h 26 min
